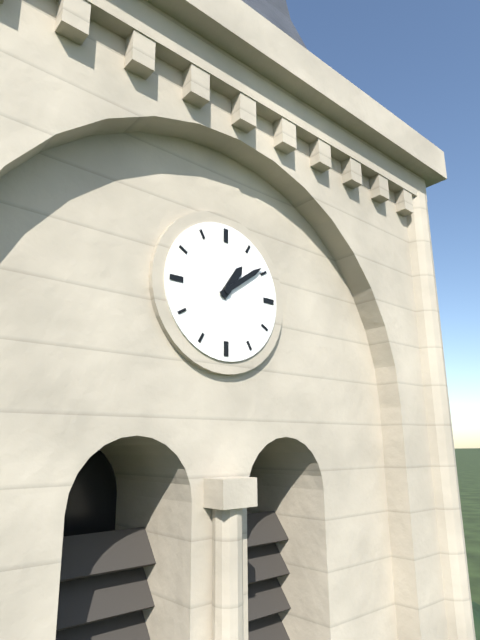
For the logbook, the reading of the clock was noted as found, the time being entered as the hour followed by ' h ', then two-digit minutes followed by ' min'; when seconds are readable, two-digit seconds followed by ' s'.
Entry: 1 h 09 min
